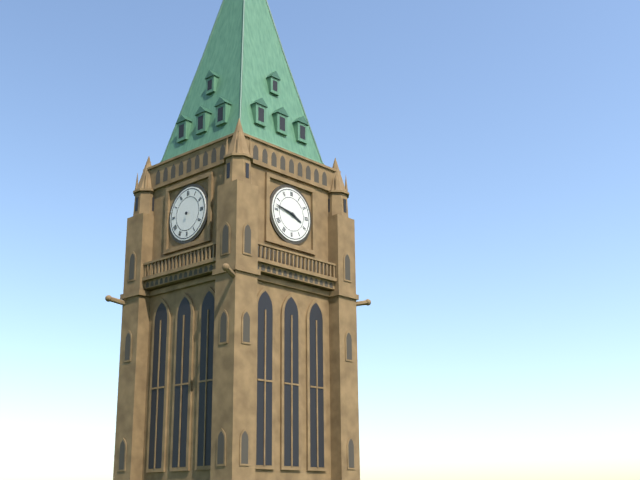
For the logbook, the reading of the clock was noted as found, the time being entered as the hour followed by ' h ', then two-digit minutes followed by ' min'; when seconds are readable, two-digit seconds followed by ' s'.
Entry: 3 h 47 min
